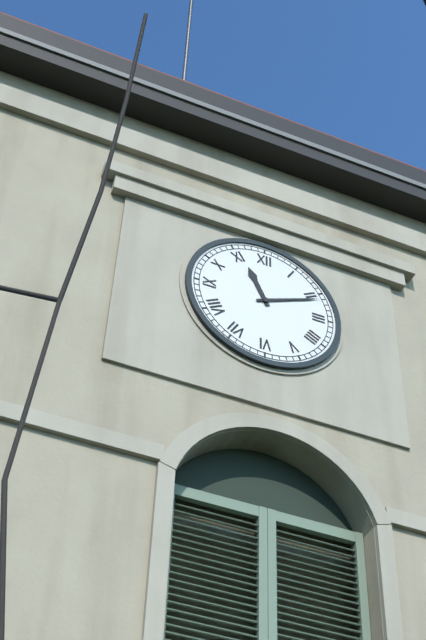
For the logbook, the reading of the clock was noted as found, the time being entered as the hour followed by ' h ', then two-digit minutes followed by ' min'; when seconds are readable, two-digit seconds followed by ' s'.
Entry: 11 h 11 min
